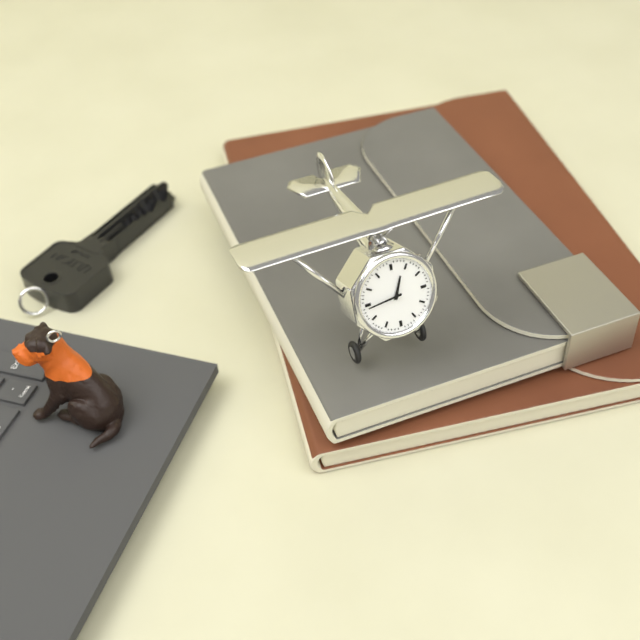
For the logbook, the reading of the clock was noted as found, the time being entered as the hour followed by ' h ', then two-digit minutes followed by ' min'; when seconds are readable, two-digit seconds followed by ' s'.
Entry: 12 h 44 min
